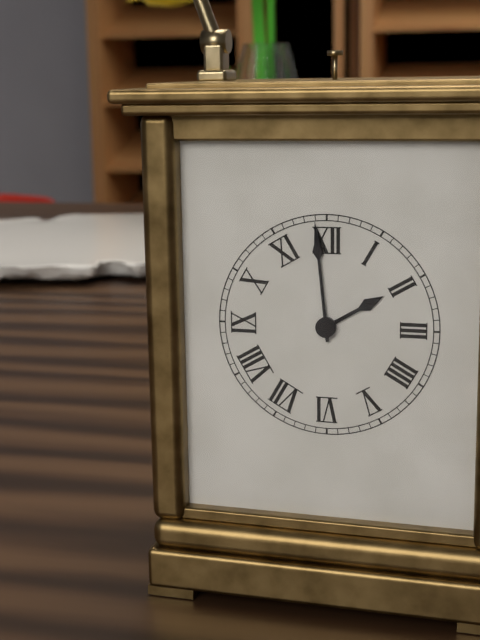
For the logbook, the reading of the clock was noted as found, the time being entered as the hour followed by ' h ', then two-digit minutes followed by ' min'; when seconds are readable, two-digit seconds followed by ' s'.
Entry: 1 h 59 min
